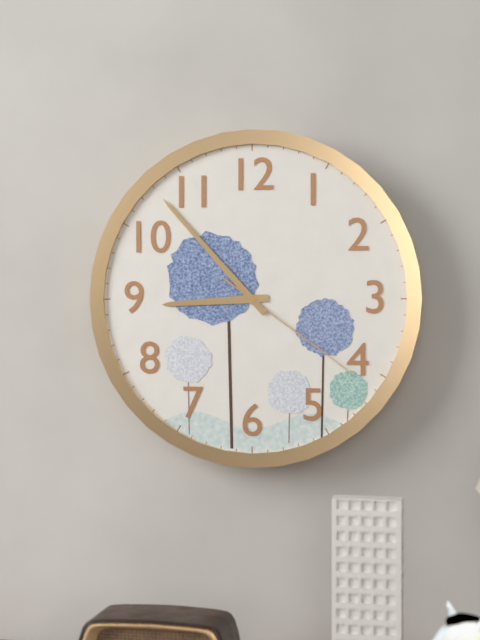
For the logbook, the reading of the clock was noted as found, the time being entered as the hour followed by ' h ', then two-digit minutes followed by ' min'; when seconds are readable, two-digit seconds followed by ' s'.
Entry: 8 h 53 min 21 s
